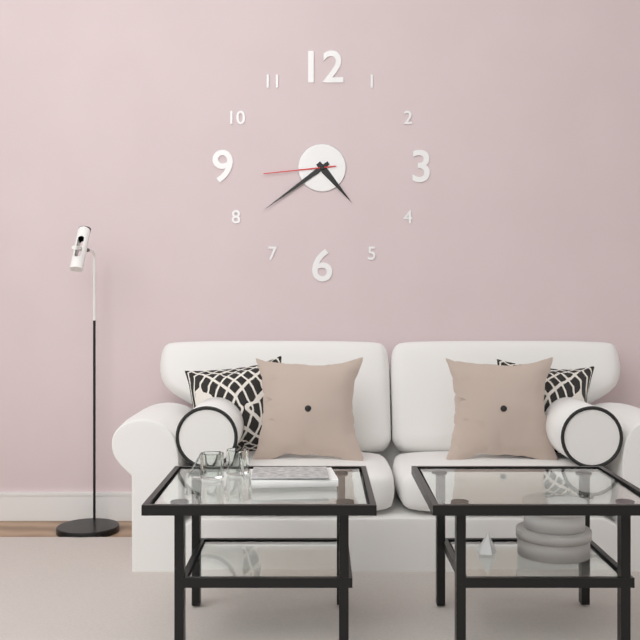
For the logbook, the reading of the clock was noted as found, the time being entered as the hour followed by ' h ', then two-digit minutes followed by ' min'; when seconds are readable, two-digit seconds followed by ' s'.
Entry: 4 h 39 min 44 s
